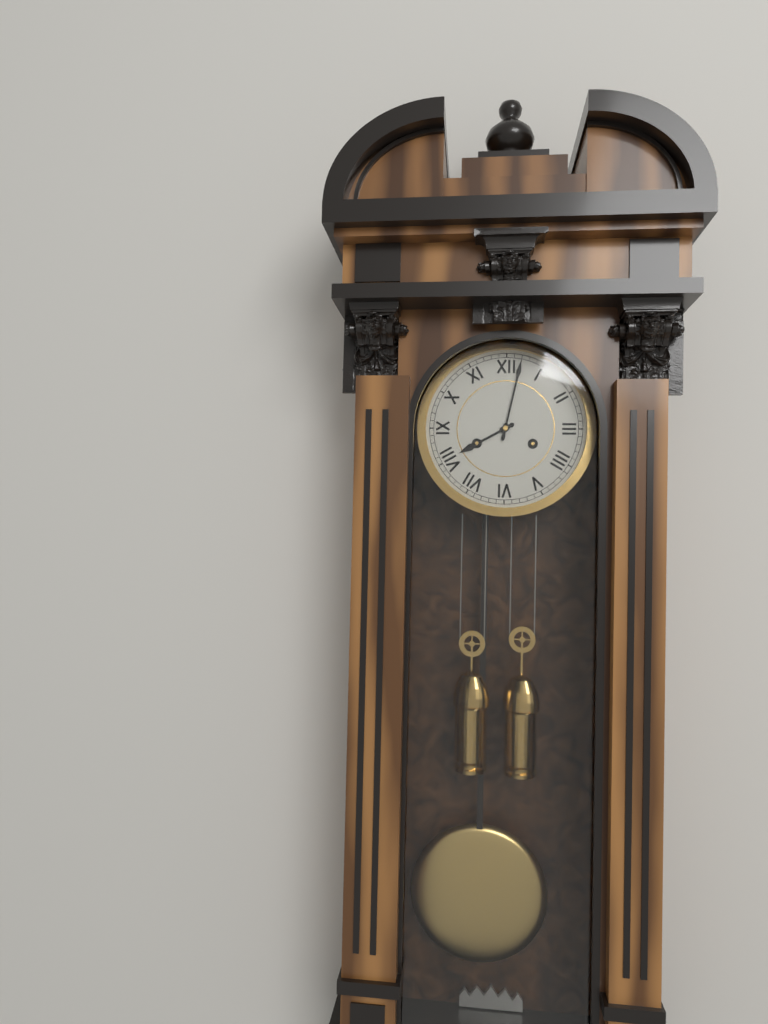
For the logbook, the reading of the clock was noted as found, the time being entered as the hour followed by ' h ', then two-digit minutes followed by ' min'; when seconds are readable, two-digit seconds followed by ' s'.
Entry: 8 h 02 min
